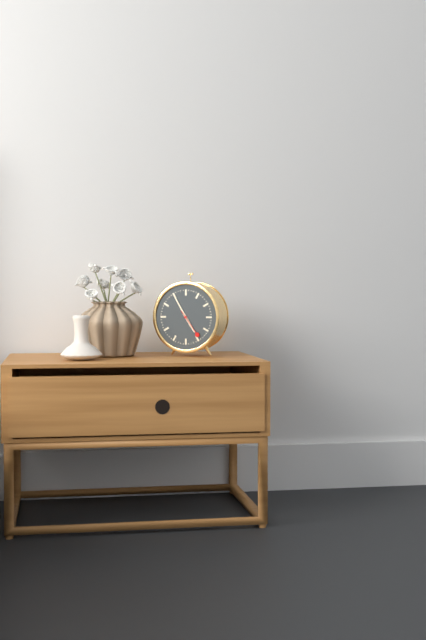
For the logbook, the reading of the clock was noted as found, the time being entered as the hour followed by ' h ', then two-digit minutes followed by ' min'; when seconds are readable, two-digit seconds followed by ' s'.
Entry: 4 h 55 min
